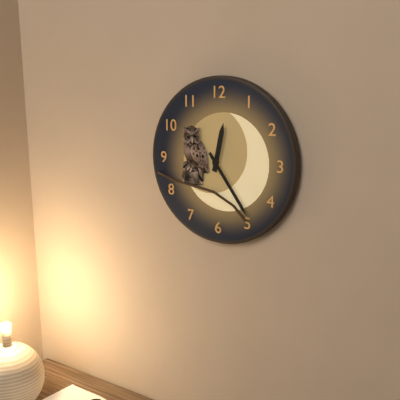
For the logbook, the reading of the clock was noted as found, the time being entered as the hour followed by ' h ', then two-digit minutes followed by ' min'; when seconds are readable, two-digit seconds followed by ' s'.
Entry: 12 h 24 min
